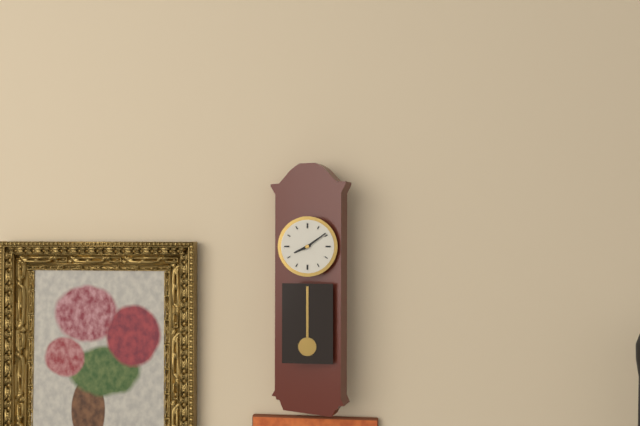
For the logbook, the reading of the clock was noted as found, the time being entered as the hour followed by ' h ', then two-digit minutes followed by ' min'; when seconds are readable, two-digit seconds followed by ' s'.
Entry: 8 h 09 min
